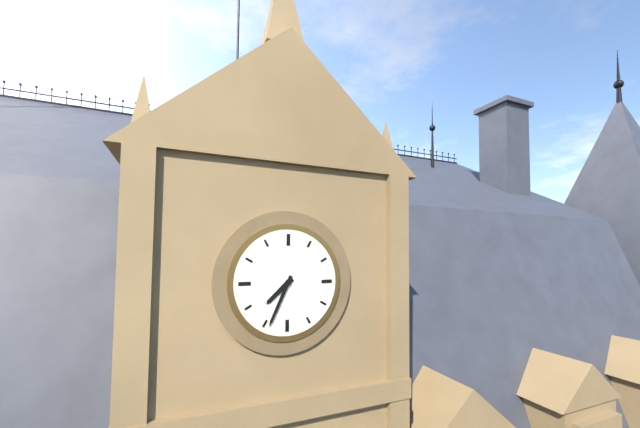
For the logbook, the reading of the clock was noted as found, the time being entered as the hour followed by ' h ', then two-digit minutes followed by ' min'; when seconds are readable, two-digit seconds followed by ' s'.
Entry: 7 h 34 min
